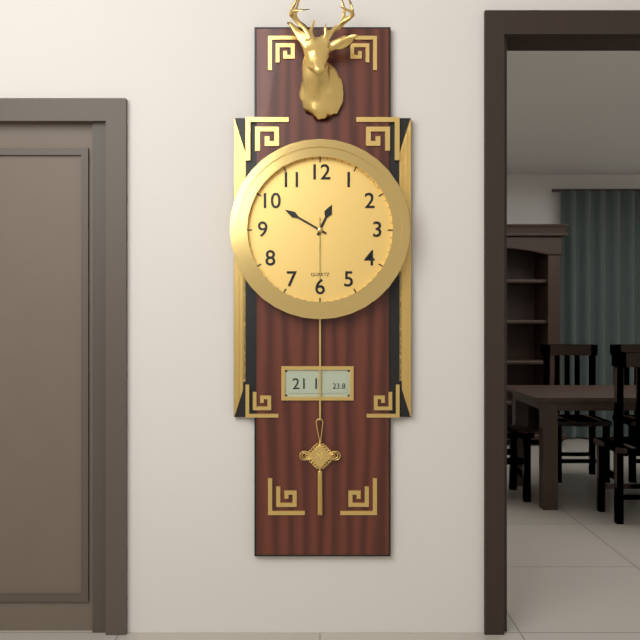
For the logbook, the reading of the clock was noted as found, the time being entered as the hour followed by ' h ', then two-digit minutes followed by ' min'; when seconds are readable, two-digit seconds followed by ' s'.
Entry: 12 h 50 min 30 s
